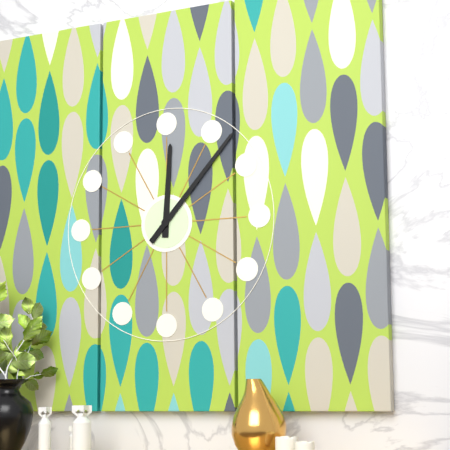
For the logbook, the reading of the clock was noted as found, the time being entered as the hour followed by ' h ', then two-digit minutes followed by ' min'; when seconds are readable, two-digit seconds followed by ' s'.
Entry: 12 h 07 min
